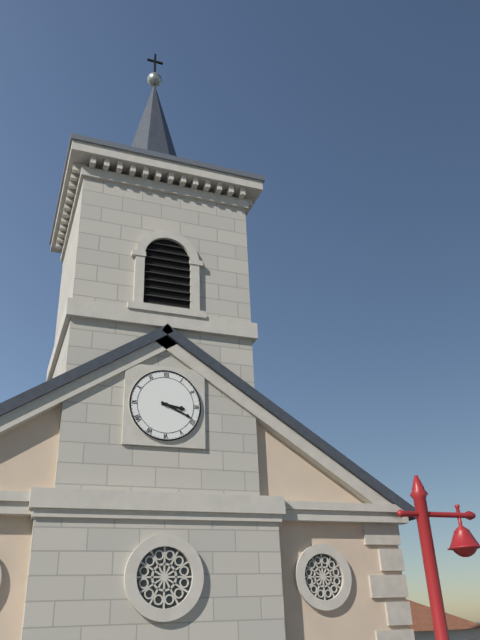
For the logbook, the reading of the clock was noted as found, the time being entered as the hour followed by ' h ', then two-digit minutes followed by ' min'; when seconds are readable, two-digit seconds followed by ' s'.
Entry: 3 h 19 min
